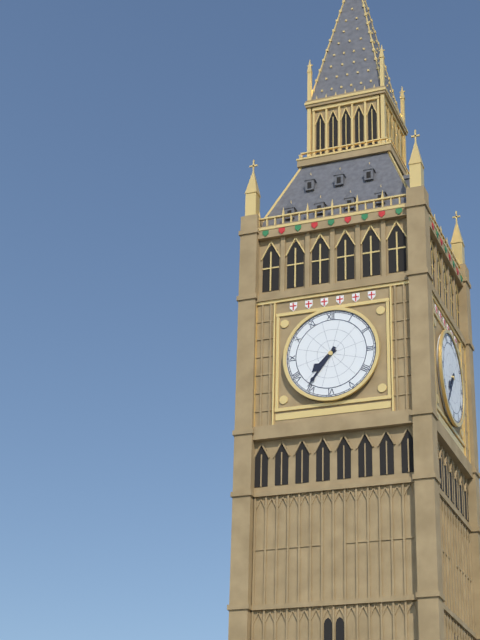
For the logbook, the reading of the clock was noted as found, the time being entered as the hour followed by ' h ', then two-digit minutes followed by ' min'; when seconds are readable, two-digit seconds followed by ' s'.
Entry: 7 h 36 min
